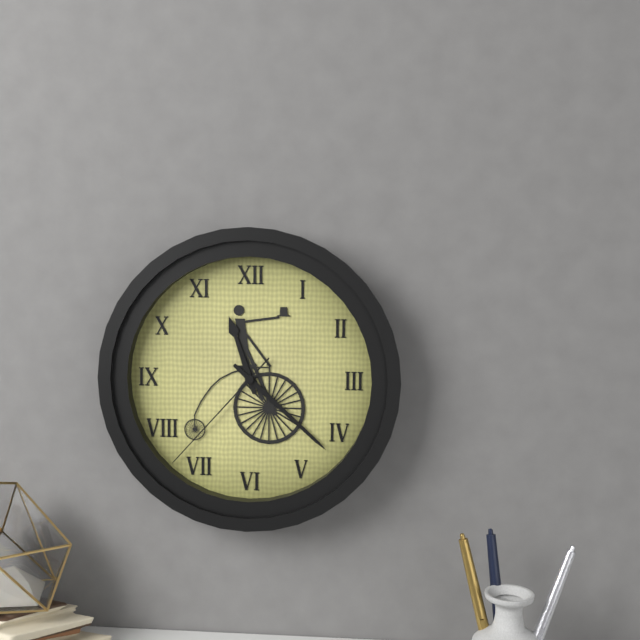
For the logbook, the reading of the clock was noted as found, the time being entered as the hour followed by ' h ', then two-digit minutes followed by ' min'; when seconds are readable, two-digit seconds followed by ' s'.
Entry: 11 h 22 min 37 s
